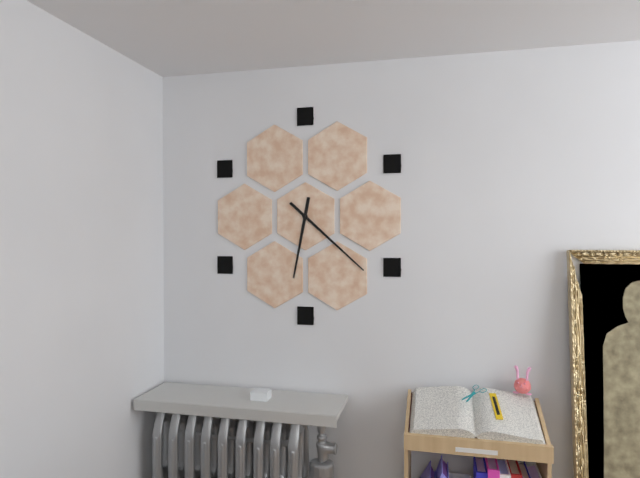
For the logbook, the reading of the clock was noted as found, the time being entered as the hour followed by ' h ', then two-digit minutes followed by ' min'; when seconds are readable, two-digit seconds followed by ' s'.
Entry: 6 h 22 min
